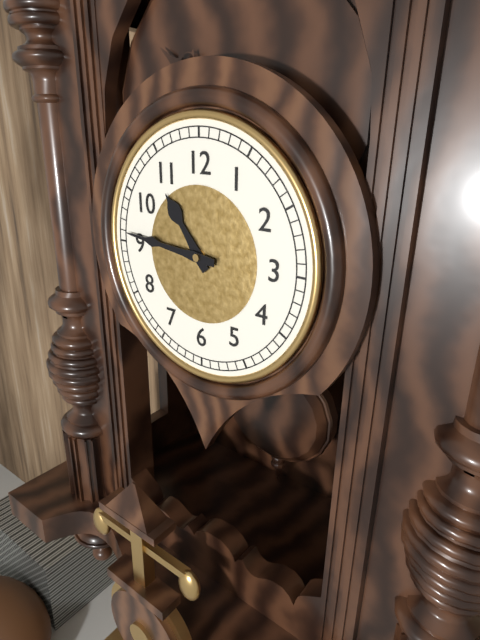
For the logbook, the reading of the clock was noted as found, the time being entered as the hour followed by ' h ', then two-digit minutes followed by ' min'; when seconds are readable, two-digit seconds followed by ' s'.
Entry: 10 h 46 min
